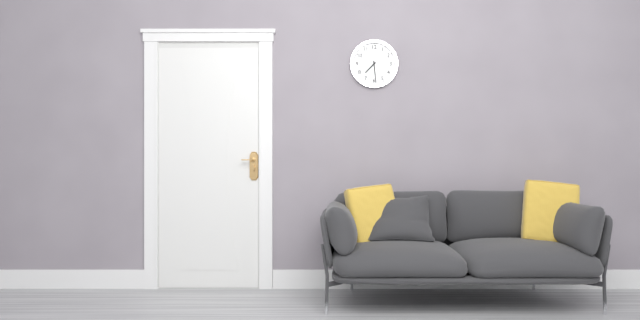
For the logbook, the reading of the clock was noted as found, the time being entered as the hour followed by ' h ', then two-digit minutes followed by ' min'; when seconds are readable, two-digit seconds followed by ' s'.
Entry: 7 h 29 min
